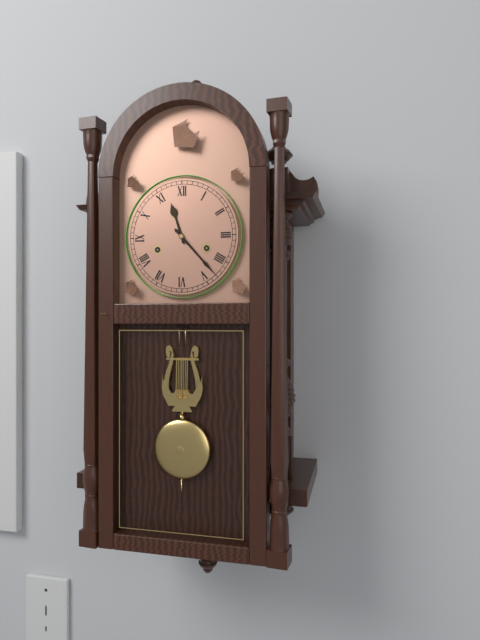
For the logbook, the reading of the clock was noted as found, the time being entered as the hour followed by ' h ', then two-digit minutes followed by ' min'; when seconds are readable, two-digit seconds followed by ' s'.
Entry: 11 h 23 min
